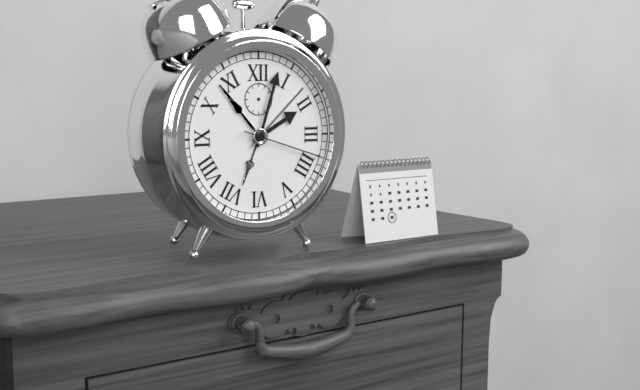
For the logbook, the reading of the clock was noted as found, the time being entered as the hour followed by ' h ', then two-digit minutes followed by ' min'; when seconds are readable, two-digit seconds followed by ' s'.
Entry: 2 h 03 min 18 s
